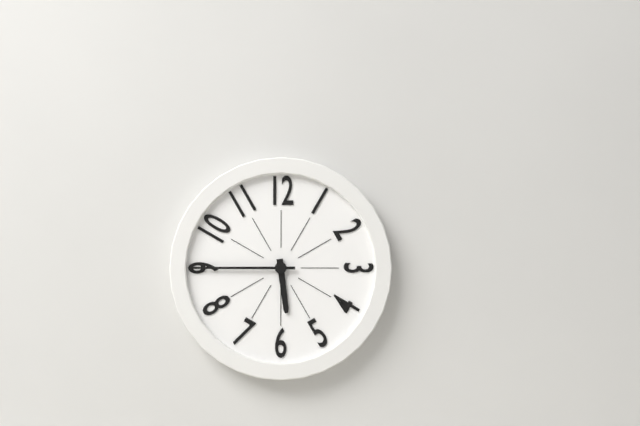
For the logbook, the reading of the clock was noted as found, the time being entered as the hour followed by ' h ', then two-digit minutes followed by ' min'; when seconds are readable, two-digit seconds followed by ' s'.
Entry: 5 h 45 min
